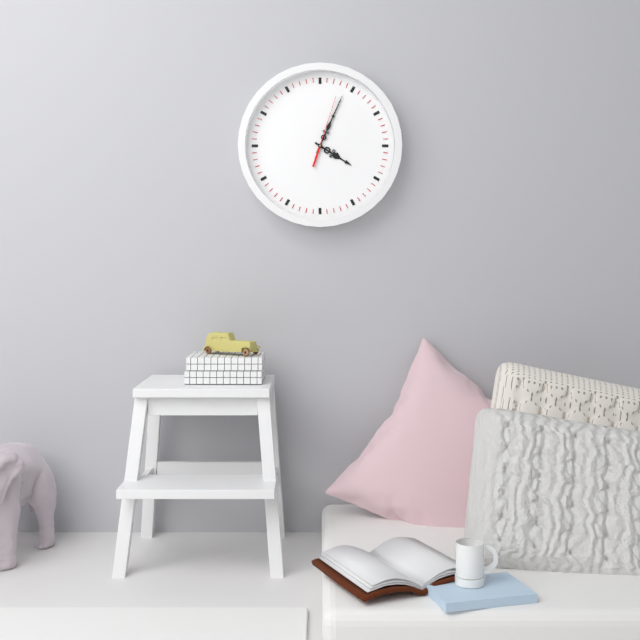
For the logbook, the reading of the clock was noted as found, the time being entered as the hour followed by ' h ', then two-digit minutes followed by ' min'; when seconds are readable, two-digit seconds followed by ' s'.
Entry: 4 h 04 min 03 s
